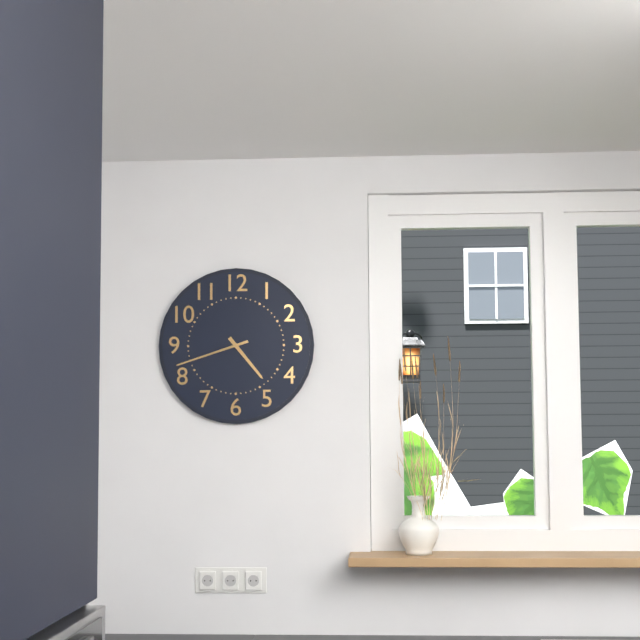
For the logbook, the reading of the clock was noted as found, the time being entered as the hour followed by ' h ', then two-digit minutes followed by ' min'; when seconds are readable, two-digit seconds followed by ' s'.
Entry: 4 h 42 min
